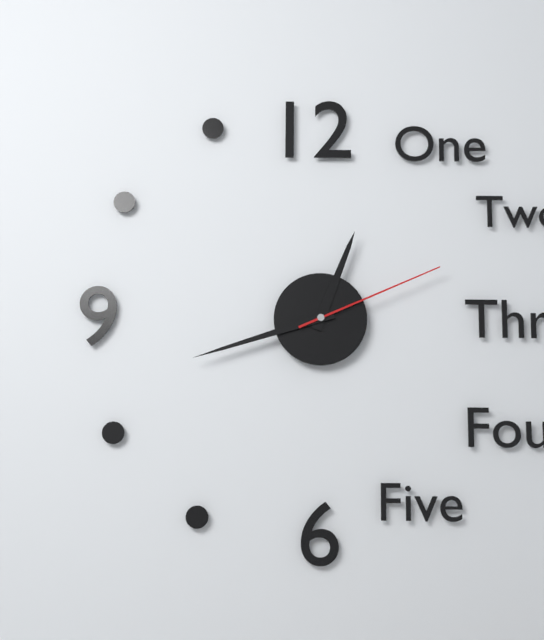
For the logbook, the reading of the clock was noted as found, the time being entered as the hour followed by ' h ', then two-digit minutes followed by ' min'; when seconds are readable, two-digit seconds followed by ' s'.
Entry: 12 h 42 min 11 s
